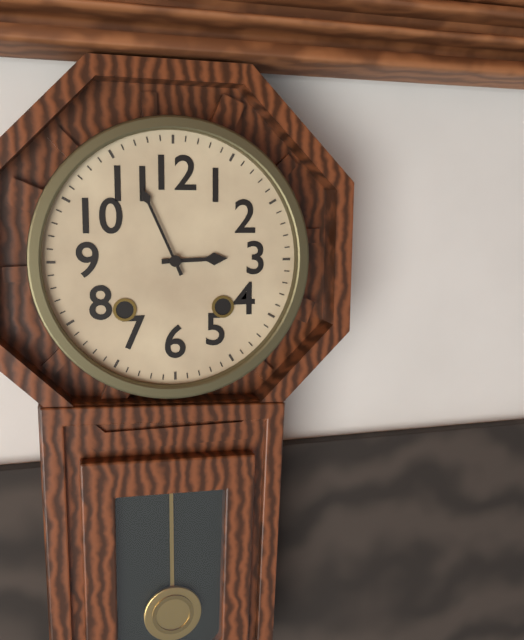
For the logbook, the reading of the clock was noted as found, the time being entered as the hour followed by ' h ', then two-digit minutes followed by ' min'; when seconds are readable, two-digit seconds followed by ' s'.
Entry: 2 h 56 min
